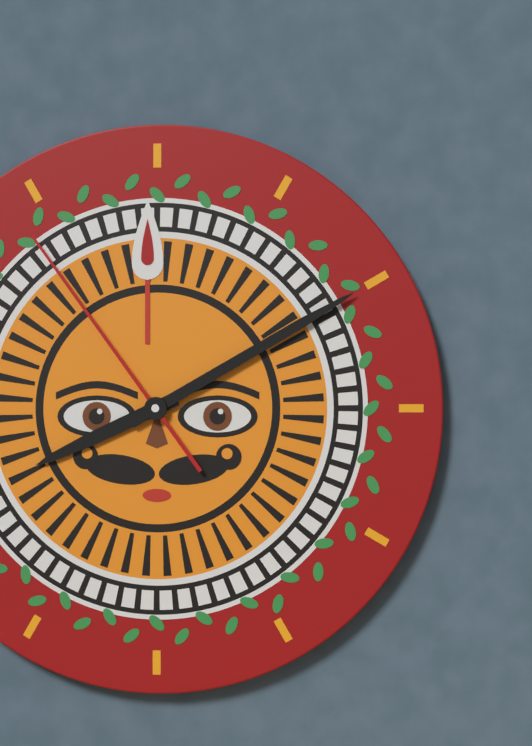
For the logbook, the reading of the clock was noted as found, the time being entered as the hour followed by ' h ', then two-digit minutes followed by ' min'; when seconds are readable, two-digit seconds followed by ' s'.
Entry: 8 h 10 min 54 s
